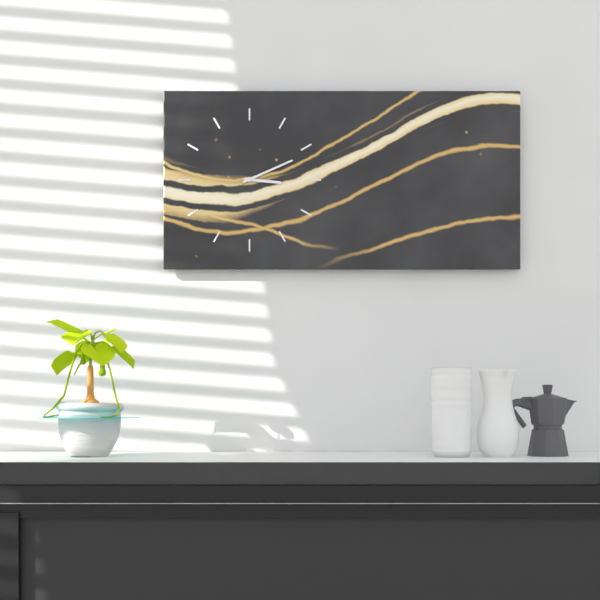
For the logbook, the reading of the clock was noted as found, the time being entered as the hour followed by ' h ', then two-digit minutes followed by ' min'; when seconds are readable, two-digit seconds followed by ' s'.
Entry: 3 h 11 min
